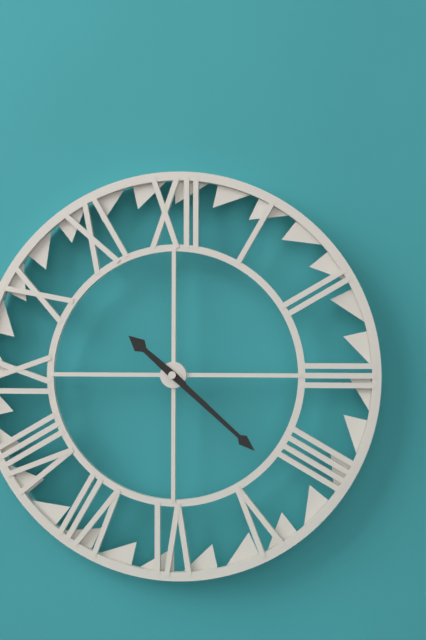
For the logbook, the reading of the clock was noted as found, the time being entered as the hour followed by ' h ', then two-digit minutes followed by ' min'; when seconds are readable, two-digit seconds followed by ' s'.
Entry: 10 h 22 min
